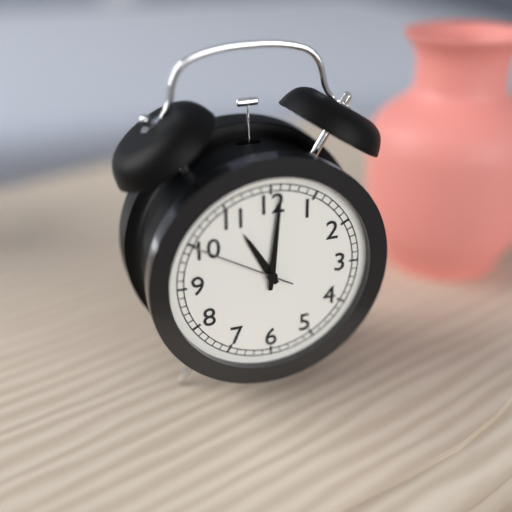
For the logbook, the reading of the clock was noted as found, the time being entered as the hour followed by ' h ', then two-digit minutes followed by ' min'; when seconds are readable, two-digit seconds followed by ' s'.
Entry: 11 h 01 min 50 s
